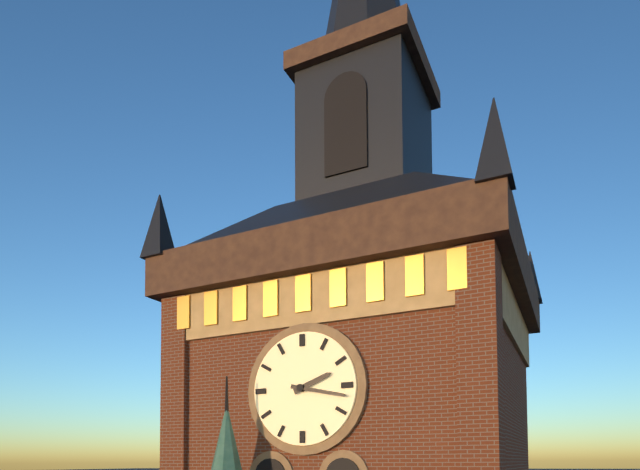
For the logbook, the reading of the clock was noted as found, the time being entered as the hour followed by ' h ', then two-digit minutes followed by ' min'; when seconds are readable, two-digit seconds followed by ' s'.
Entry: 2 h 17 min
